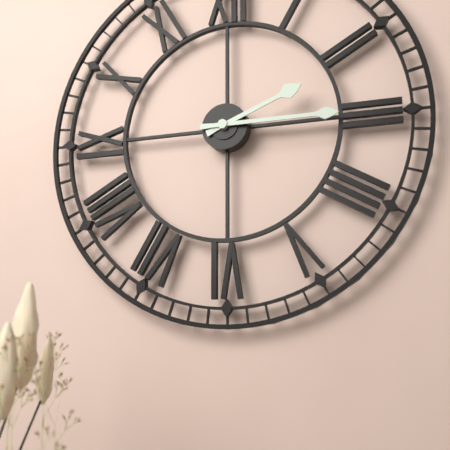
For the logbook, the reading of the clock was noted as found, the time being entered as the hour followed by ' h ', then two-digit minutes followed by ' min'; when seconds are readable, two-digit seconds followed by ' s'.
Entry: 2 h 15 min
